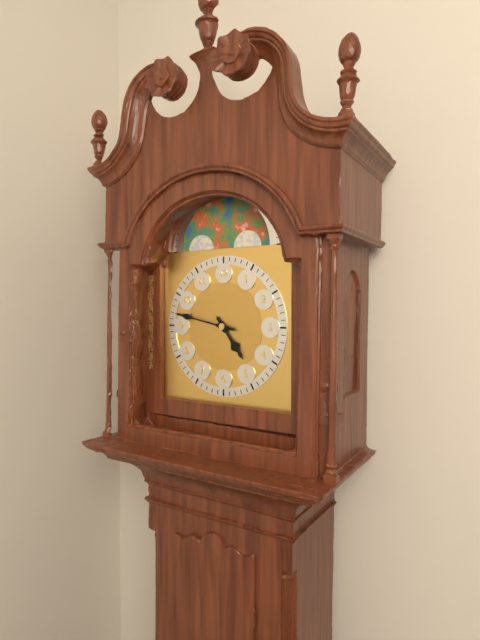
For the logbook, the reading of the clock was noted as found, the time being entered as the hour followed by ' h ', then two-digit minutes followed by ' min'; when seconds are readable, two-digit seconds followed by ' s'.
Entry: 4 h 47 min
